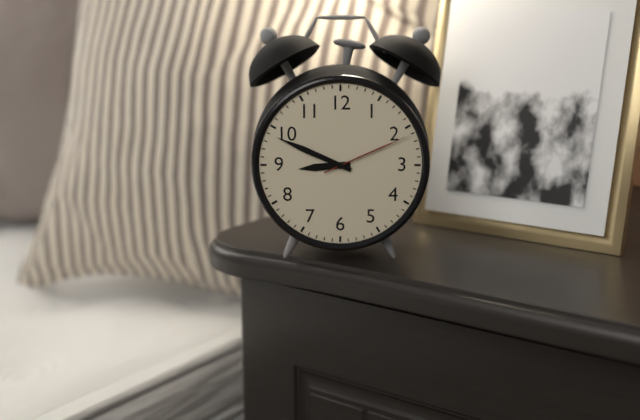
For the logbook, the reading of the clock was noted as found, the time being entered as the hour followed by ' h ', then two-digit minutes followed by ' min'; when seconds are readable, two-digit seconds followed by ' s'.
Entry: 8 h 49 min 11 s
